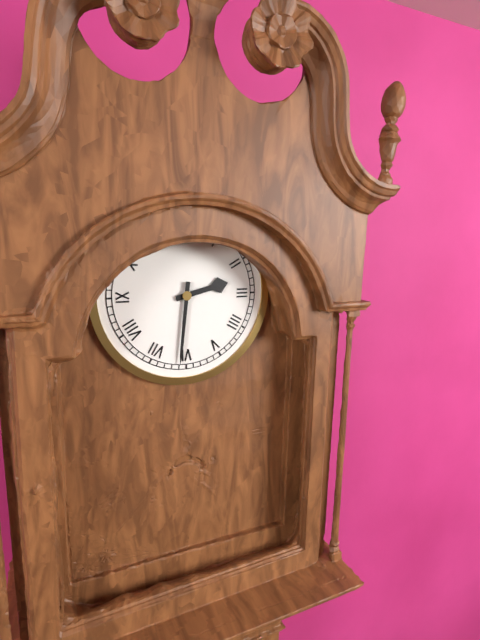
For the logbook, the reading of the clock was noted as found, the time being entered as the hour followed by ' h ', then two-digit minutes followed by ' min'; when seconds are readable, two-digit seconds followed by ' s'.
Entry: 2 h 31 min
